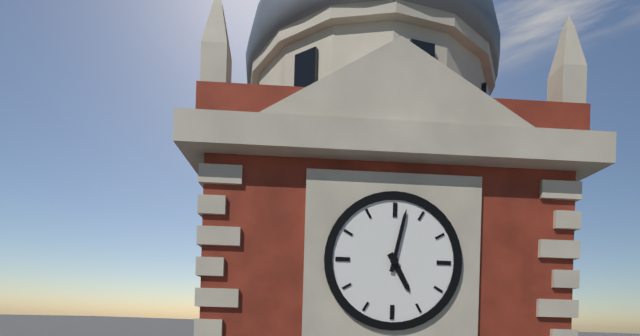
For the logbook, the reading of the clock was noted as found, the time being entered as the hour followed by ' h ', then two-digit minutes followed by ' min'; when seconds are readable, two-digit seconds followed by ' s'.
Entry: 5 h 02 min
